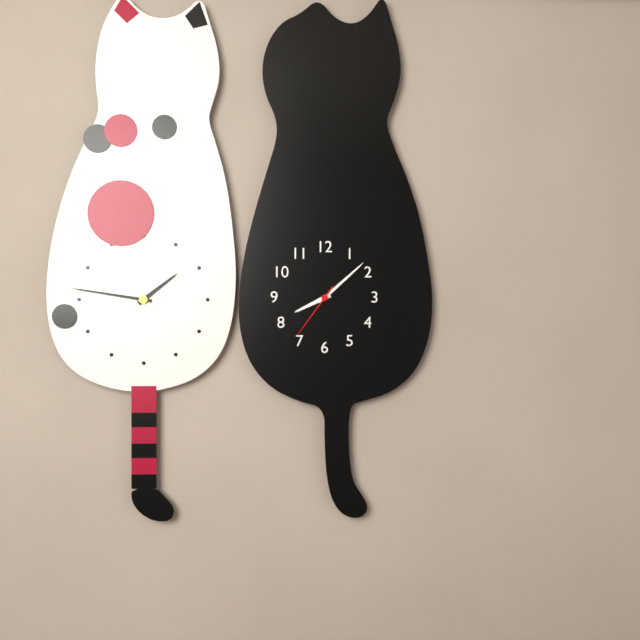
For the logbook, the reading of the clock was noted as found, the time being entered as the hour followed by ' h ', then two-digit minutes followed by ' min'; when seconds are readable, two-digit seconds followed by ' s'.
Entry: 8 h 08 min 36 s
